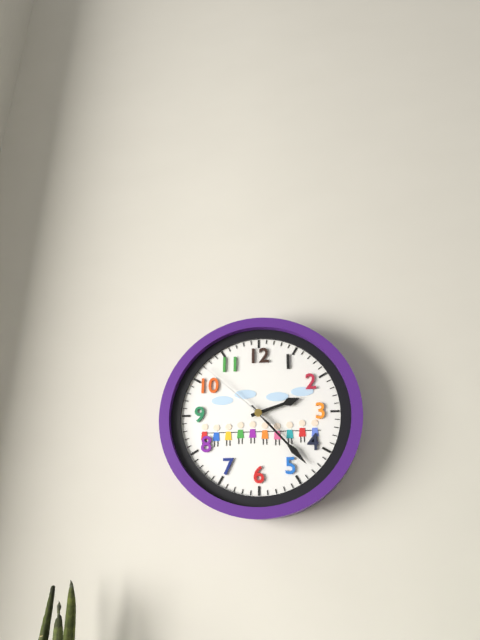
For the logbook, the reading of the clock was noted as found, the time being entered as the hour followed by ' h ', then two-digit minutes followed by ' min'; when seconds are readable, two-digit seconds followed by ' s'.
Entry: 2 h 23 min 52 s
